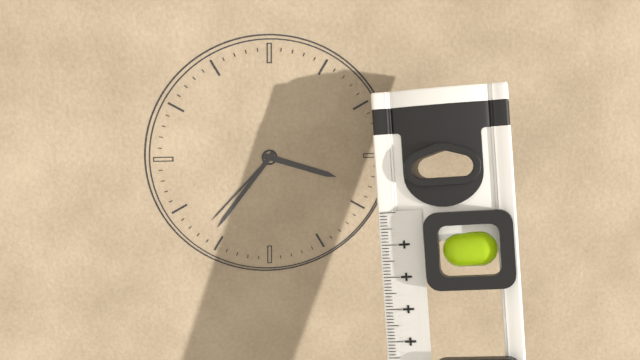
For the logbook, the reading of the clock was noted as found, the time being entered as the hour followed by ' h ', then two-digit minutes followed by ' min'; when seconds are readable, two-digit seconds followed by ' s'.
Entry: 3 h 36 min 37 s
